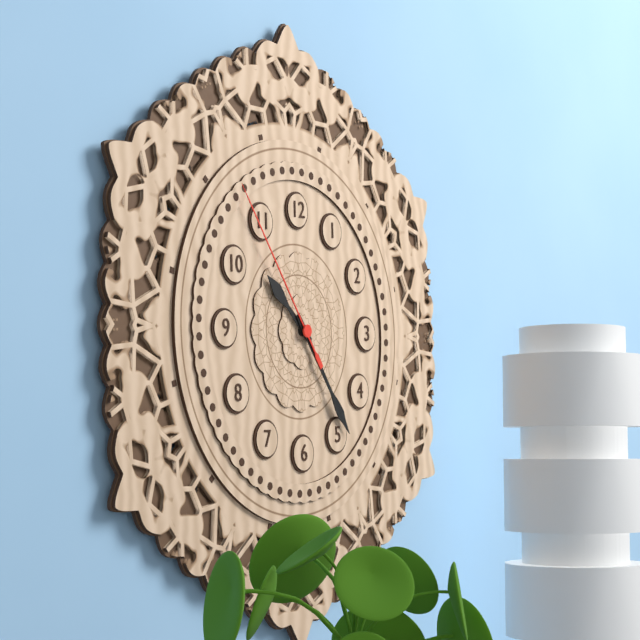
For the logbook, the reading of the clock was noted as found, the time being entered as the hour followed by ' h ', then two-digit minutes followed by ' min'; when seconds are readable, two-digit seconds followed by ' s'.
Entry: 10 h 24 min 54 s
